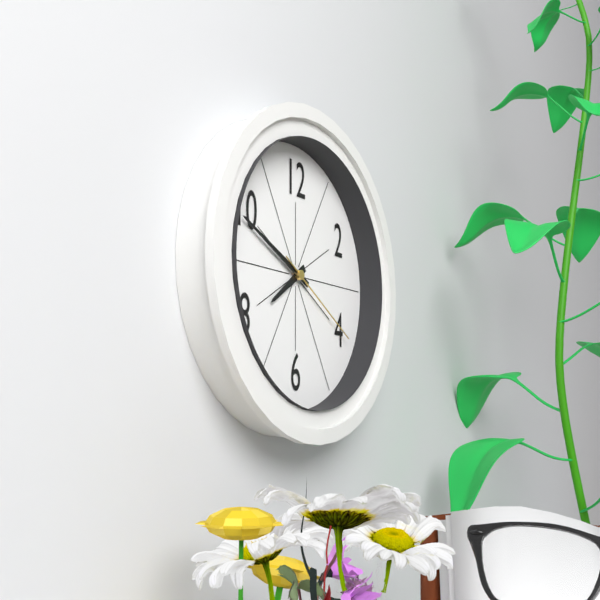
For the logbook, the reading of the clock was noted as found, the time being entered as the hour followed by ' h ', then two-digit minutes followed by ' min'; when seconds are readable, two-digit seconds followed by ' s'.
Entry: 7 h 49 min 20 s
